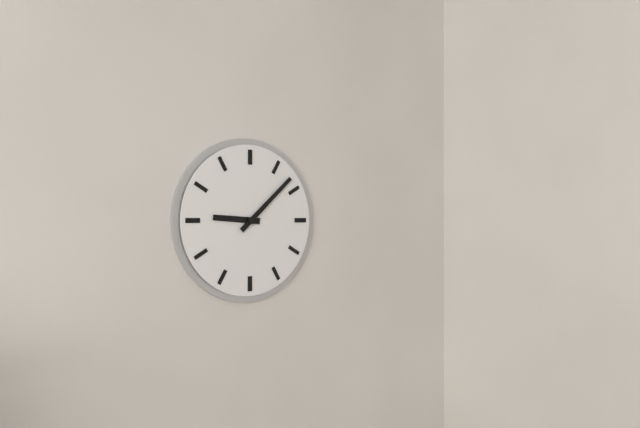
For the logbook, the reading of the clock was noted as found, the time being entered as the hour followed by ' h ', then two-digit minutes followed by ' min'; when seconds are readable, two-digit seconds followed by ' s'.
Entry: 9 h 08 min
